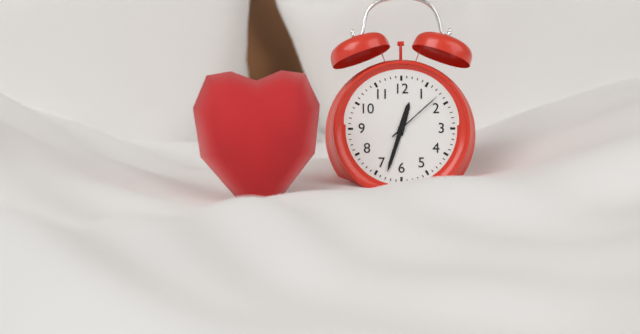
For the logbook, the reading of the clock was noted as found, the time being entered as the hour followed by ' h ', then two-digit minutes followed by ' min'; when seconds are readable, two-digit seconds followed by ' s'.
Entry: 12 h 33 min 08 s
